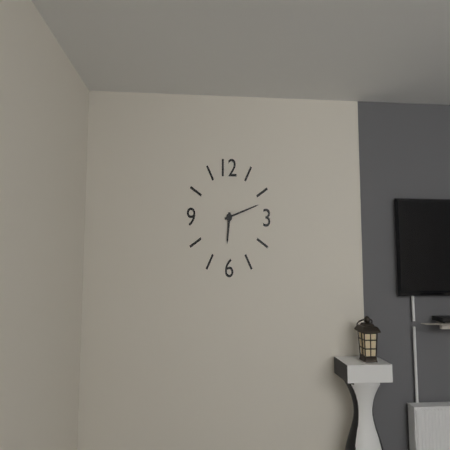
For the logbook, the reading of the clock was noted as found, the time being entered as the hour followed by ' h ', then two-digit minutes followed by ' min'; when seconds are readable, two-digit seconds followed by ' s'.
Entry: 6 h 12 min
